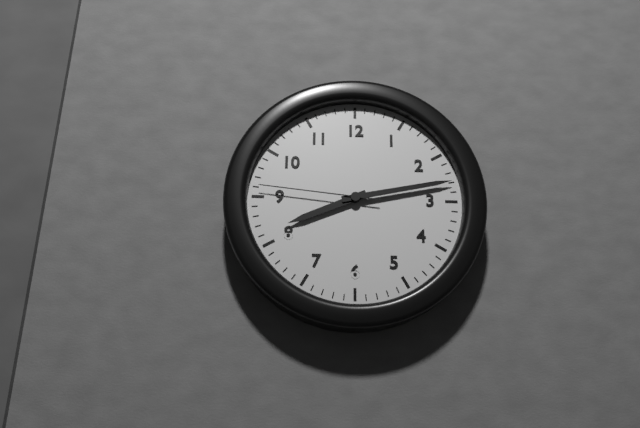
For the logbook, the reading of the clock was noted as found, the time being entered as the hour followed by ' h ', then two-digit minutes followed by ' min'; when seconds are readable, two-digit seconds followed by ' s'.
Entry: 8 h 13 min 46 s
